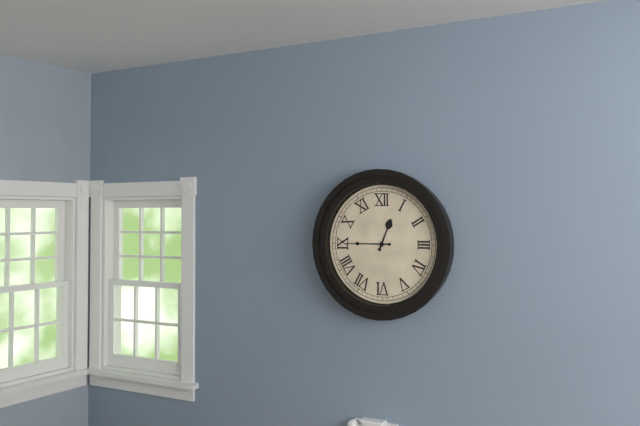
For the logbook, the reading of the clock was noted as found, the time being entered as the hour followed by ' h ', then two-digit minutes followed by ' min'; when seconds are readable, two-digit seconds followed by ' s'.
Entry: 12 h 45 min
